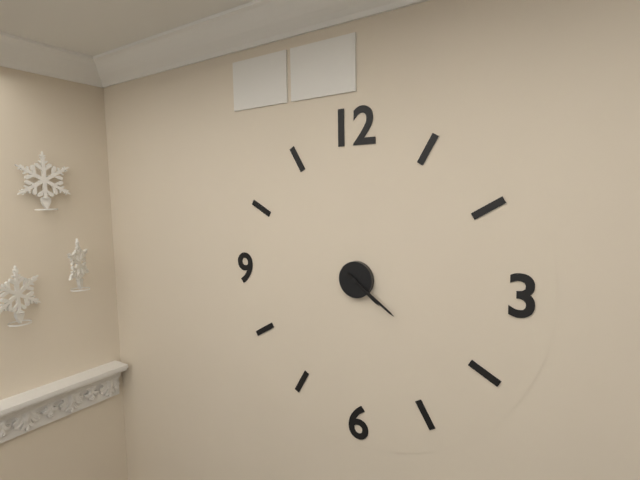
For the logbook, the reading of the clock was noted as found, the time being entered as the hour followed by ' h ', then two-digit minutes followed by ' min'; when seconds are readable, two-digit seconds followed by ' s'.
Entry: 4 h 21 min
